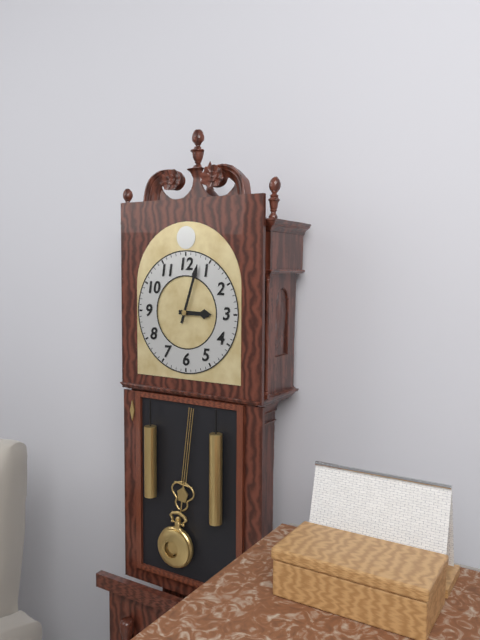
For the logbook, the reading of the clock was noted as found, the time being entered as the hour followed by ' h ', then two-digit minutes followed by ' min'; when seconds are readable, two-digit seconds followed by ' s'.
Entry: 3 h 03 min
